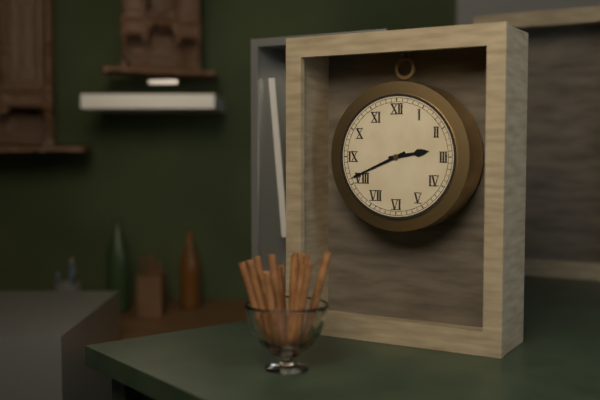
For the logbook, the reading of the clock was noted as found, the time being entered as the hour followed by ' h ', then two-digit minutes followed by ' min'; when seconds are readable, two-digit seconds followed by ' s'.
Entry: 2 h 41 min
